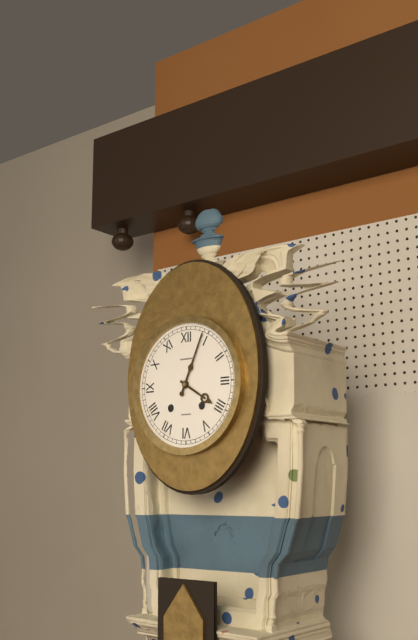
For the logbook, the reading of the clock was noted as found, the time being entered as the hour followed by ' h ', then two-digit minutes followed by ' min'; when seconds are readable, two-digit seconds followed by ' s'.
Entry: 4 h 04 min
